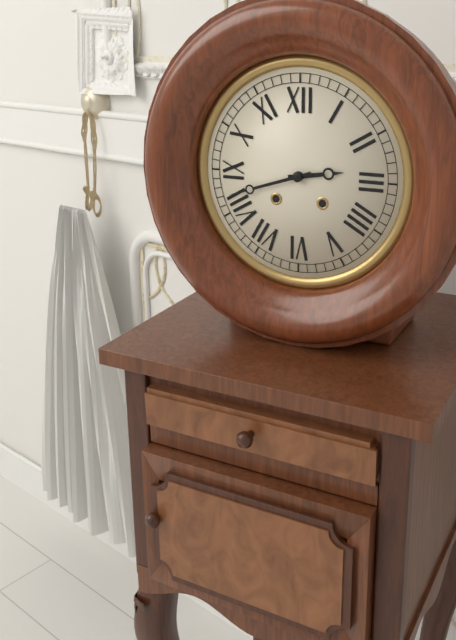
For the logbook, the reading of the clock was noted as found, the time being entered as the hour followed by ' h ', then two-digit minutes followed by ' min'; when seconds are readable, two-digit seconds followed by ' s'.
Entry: 2 h 42 min
